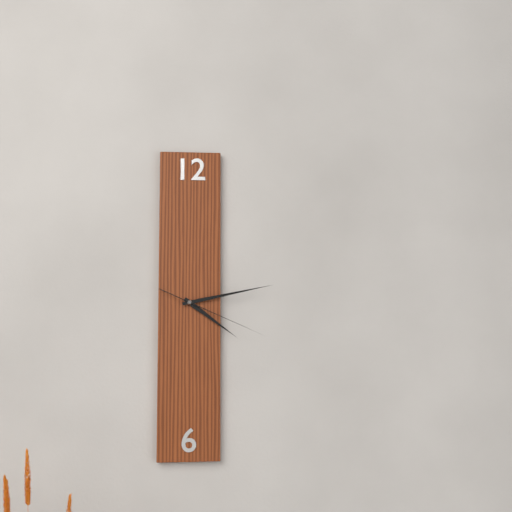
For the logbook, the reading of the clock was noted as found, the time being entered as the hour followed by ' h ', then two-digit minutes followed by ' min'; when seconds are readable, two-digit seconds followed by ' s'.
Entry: 4 h 13 min 19 s
